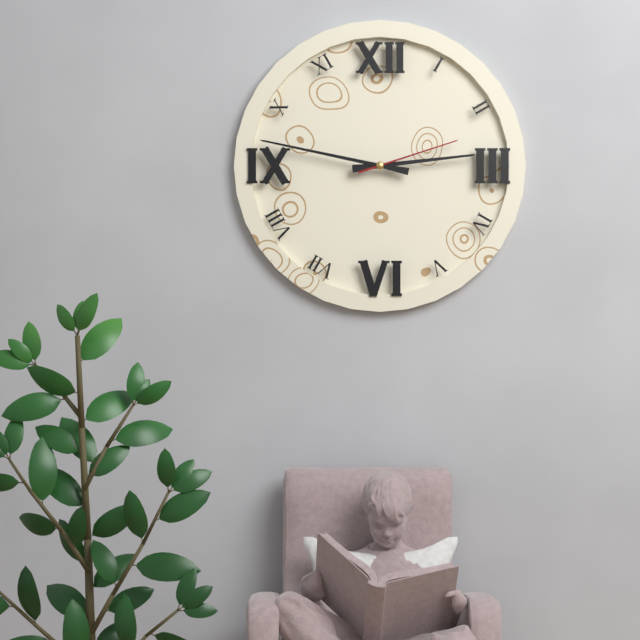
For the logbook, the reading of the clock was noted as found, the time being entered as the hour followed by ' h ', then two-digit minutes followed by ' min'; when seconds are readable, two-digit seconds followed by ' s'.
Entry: 2 h 47 min 12 s
